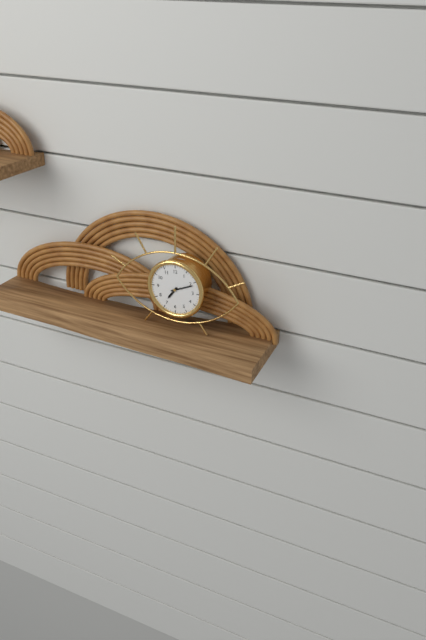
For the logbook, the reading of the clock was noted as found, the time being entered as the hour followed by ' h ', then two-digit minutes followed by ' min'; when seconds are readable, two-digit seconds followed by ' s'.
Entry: 7 h 11 min
